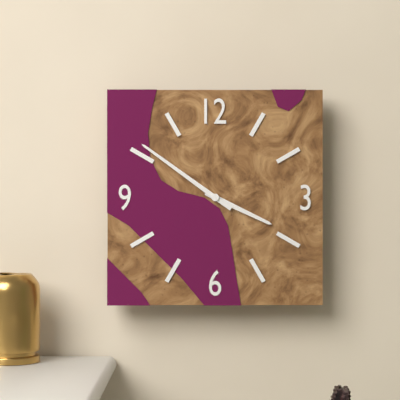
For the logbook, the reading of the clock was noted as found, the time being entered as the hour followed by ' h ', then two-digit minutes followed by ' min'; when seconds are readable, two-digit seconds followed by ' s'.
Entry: 3 h 51 min
